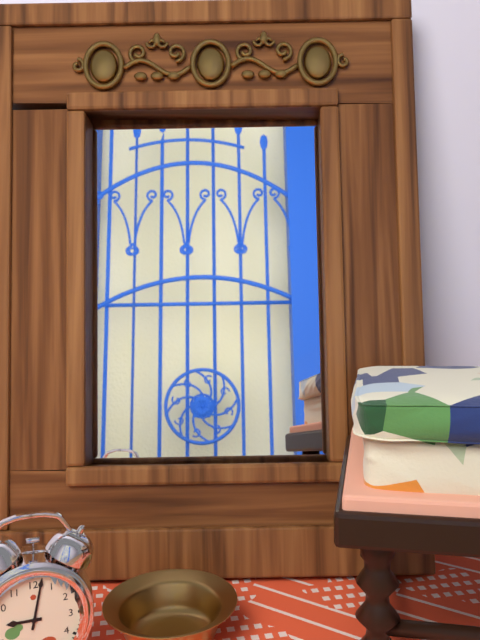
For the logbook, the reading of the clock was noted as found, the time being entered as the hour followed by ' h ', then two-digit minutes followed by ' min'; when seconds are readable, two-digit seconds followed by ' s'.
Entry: 9 h 02 min
